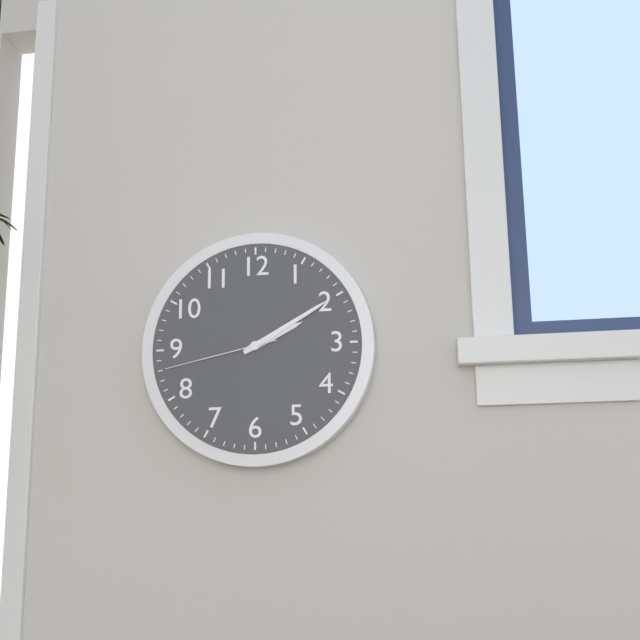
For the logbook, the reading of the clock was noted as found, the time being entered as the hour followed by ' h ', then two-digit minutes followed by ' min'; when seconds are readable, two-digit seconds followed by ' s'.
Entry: 2 h 10 min 43 s
